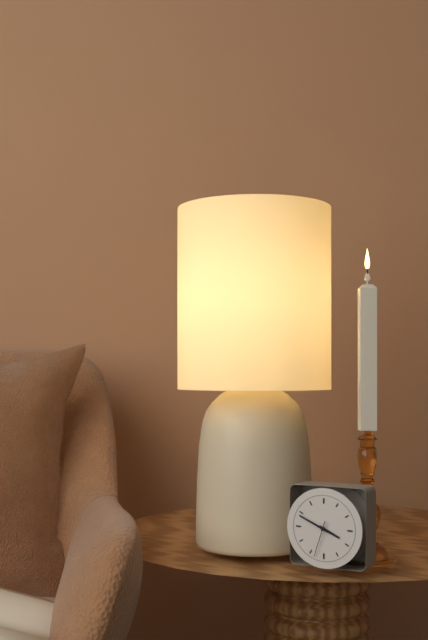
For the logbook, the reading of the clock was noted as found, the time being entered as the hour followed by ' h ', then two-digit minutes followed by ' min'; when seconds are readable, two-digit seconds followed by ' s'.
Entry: 3 h 49 min
